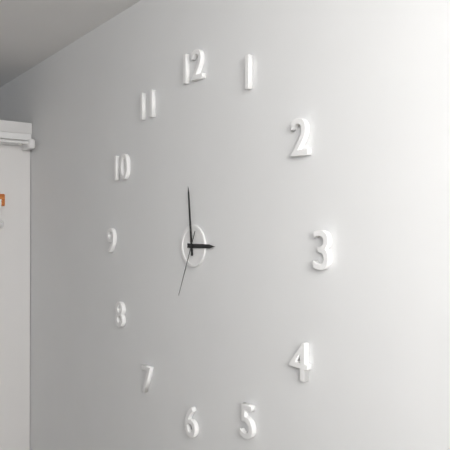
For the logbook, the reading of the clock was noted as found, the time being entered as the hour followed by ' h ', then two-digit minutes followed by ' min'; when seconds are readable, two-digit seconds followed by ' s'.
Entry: 2 h 59 min 34 s
